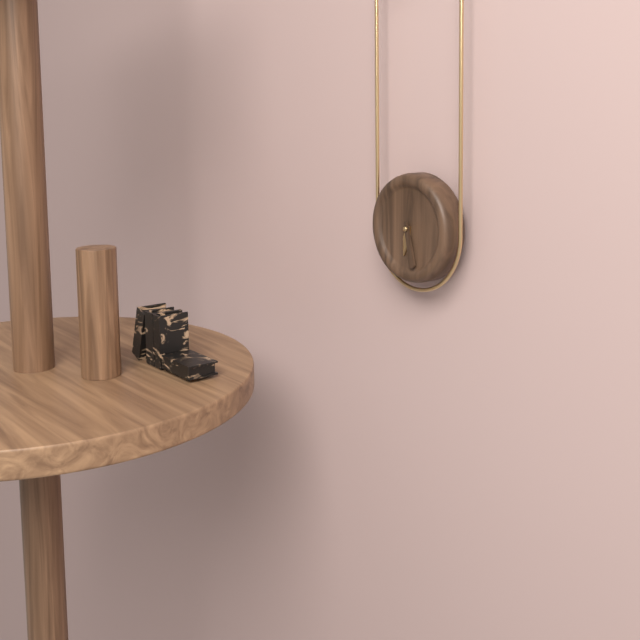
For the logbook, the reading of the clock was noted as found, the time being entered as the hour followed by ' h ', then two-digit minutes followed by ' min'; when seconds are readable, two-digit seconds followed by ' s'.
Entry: 6 h 28 min
